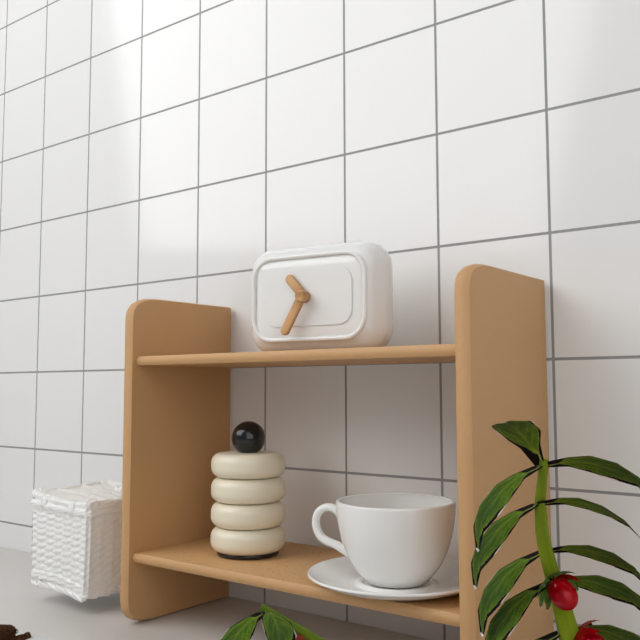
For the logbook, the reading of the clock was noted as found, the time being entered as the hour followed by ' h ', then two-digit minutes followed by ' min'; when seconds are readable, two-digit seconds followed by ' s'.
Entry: 10 h 35 min
